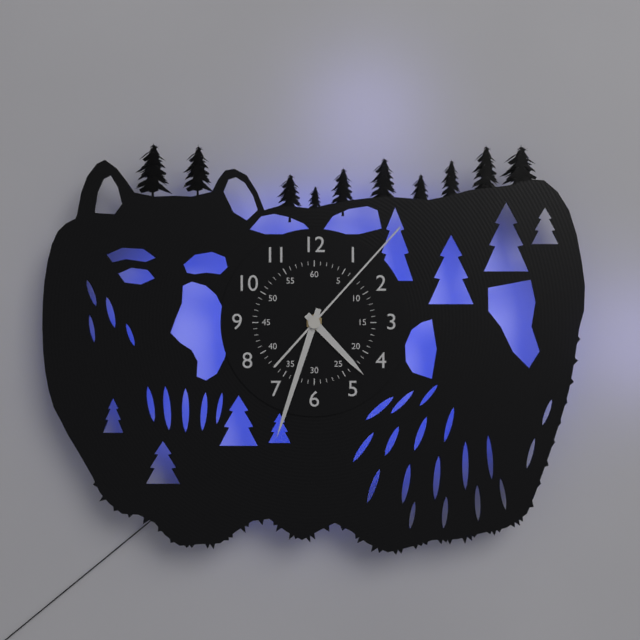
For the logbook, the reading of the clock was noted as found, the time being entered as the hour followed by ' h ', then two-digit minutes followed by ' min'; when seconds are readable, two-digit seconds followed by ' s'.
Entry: 4 h 33 min 07 s
